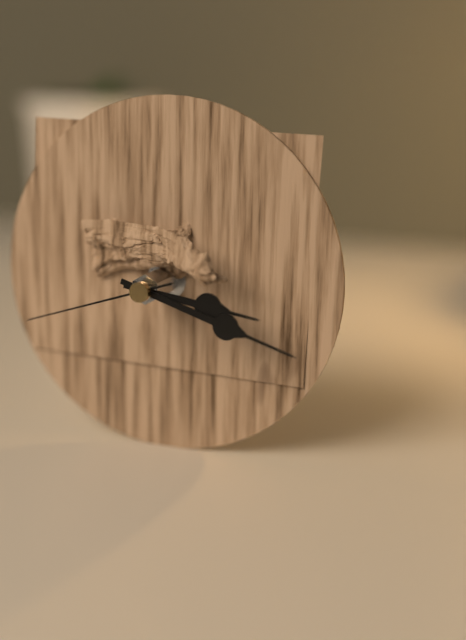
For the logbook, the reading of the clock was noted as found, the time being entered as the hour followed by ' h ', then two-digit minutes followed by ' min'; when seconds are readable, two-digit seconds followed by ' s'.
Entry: 3 h 18 min 42 s
